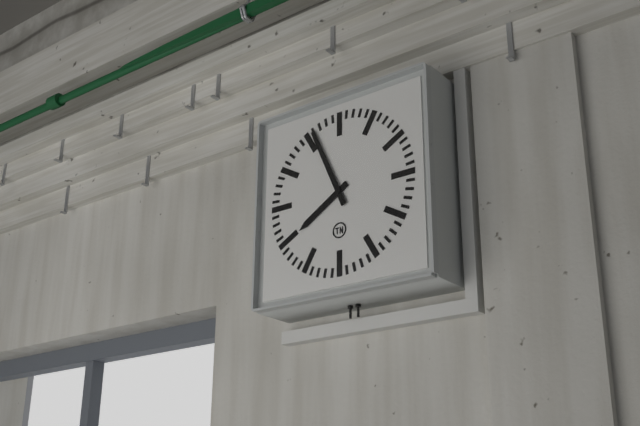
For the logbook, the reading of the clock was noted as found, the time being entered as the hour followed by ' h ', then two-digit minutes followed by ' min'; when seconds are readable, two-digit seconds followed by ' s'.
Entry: 7 h 56 min
